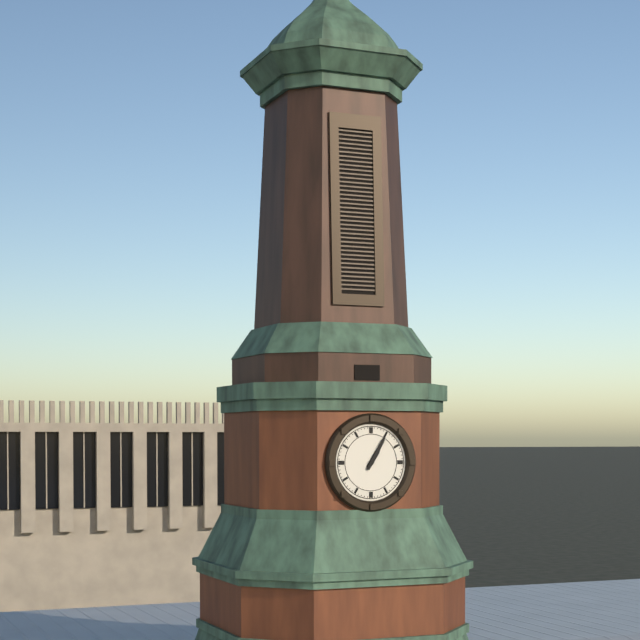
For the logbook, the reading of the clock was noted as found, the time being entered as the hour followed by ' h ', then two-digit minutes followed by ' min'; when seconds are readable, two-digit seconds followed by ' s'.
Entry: 1 h 05 min
